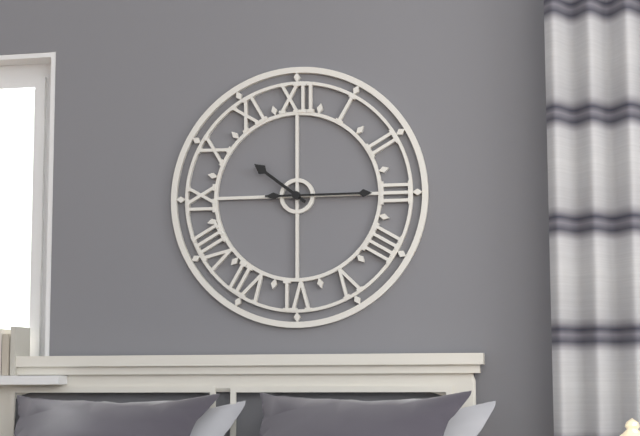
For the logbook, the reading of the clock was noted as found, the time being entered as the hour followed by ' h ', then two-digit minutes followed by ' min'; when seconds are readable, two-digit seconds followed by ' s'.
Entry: 10 h 15 min
